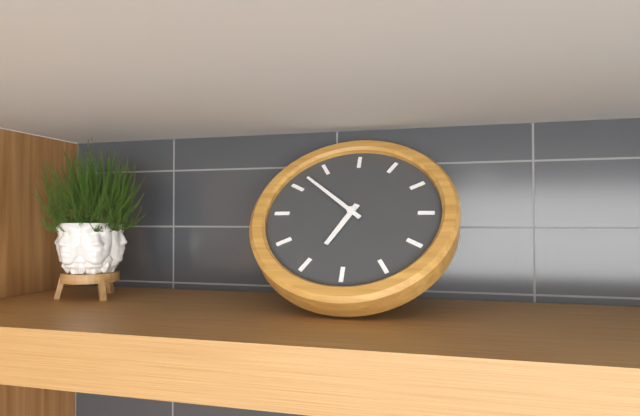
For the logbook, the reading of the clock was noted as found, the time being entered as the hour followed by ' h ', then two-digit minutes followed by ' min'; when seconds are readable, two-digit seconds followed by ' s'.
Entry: 6 h 52 min
